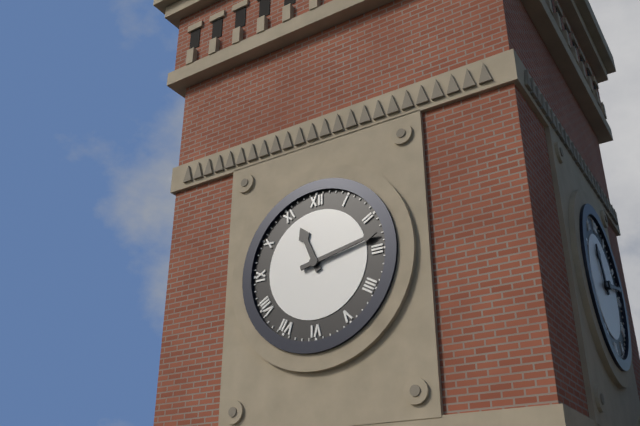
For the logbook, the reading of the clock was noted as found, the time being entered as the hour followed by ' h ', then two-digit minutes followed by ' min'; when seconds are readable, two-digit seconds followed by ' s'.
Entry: 11 h 13 min
